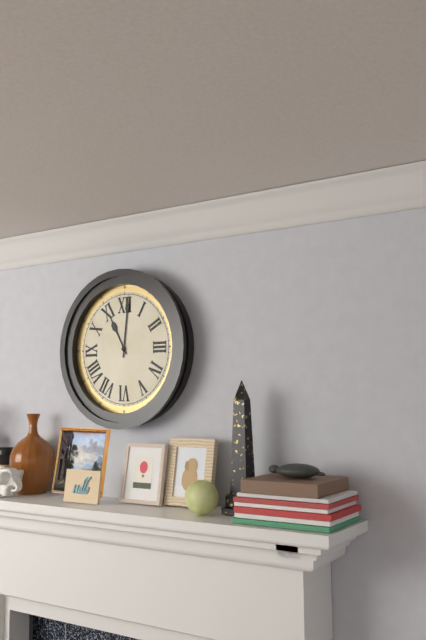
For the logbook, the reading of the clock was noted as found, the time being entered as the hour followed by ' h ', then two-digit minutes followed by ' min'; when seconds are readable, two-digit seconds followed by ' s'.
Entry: 11 h 01 min
